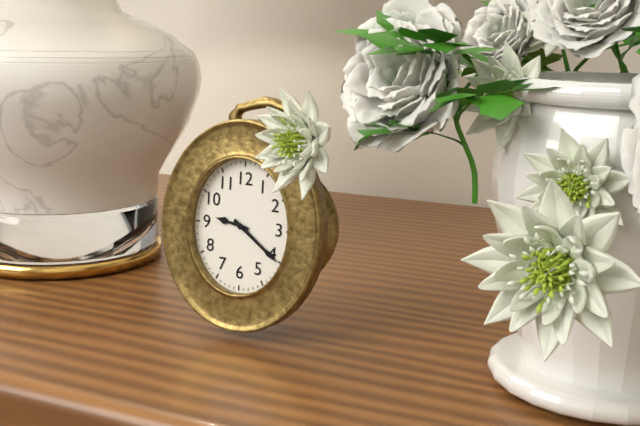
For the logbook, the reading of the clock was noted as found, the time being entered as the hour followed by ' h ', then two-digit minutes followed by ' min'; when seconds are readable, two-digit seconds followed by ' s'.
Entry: 9 h 21 min
